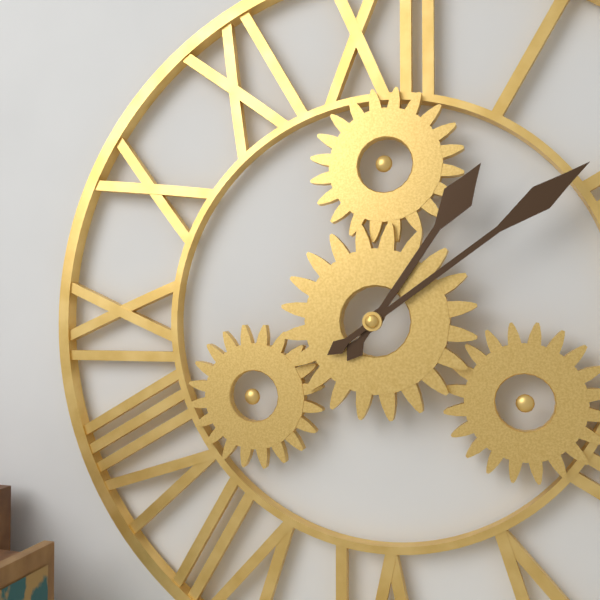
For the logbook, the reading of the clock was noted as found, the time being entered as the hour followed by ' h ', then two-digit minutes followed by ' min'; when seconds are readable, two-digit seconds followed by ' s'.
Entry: 1 h 09 min
